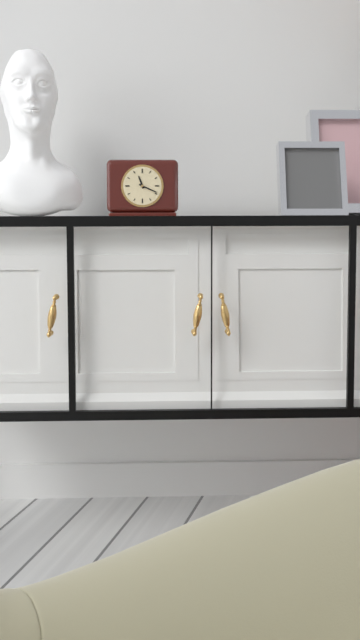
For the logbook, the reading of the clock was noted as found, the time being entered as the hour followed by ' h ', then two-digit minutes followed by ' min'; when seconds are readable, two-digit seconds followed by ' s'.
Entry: 11 h 19 min
